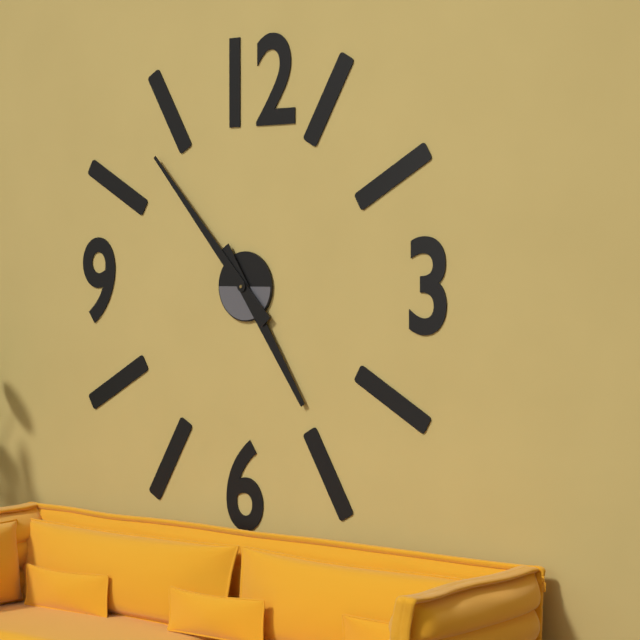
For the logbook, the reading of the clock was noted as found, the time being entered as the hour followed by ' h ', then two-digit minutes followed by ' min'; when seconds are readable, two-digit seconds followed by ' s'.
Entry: 4 h 53 min
